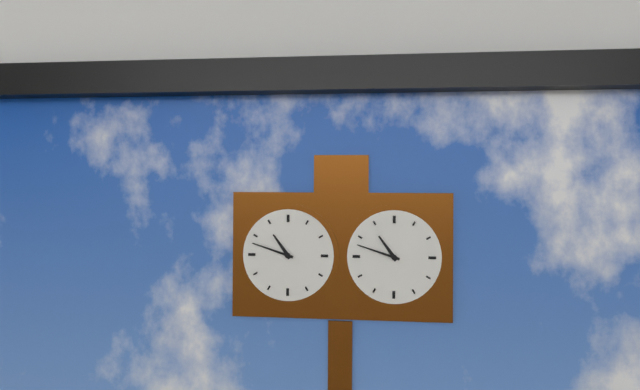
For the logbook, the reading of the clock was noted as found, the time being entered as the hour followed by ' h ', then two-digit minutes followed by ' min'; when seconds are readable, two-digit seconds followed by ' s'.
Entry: 10 h 48 min
